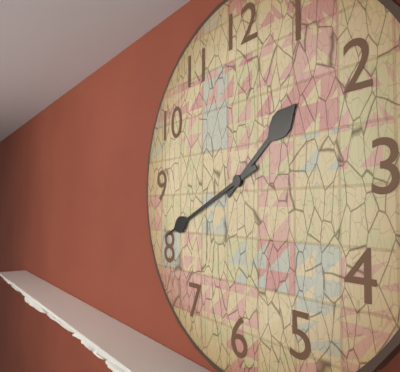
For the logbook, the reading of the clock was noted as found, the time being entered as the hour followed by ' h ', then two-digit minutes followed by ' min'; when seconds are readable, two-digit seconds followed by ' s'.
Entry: 1 h 41 min
